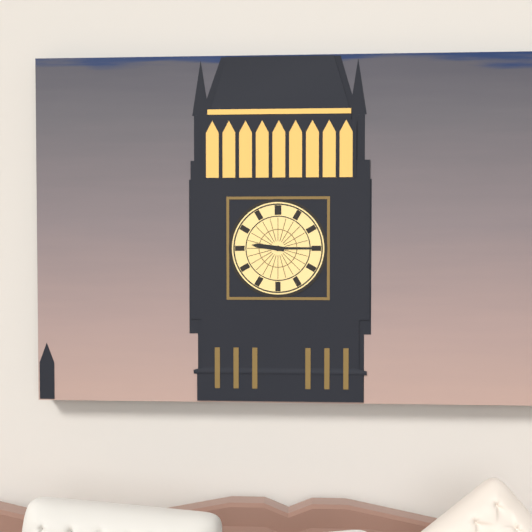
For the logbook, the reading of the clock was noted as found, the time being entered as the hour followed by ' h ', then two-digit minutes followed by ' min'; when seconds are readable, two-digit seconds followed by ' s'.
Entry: 9 h 15 min
